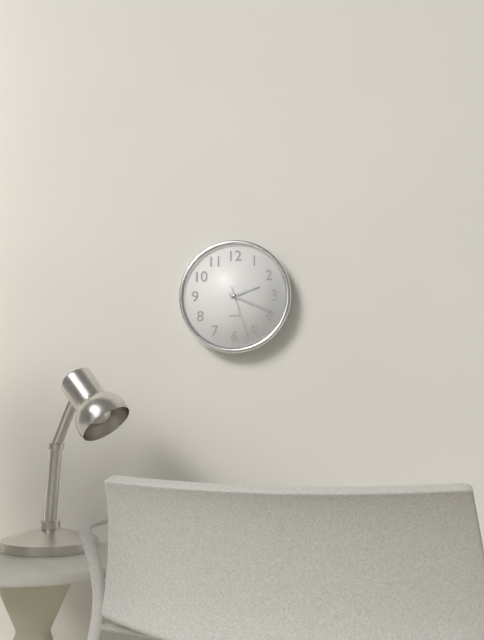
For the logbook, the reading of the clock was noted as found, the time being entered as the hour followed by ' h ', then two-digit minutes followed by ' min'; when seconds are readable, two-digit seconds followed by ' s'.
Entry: 2 h 19 min 27 s
